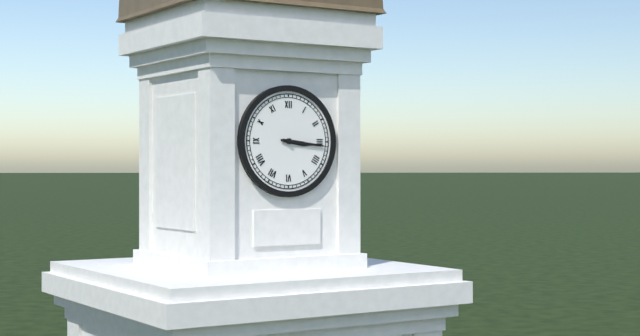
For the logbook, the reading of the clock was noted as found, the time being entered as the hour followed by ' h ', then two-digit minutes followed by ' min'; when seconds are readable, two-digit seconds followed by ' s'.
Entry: 3 h 16 min
